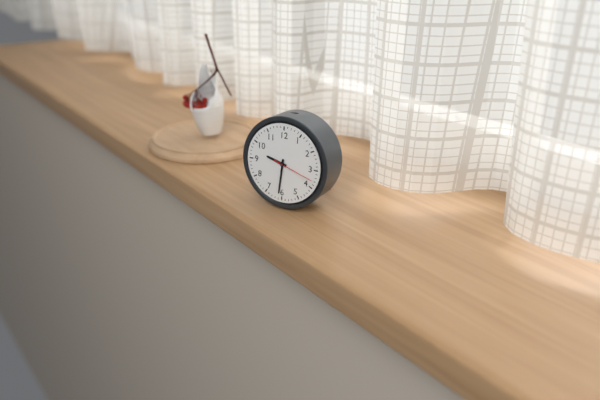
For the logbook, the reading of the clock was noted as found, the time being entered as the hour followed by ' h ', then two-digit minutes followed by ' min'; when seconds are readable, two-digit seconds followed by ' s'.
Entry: 9 h 31 min
